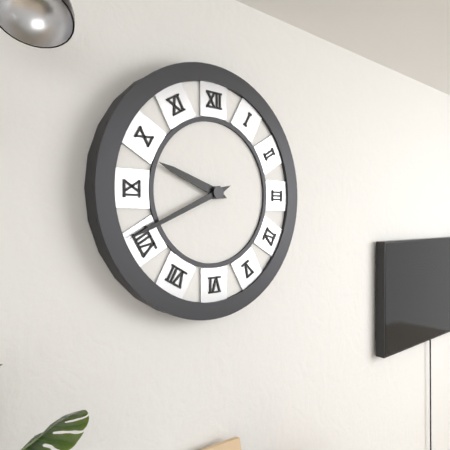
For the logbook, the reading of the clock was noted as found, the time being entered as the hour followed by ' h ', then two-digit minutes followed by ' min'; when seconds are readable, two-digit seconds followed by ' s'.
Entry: 9 h 41 min
